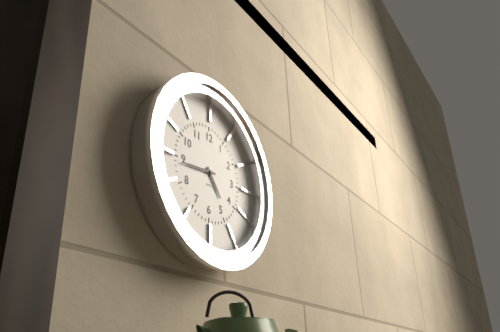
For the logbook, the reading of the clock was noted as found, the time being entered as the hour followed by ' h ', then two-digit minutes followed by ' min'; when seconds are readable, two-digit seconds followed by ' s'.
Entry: 4 h 44 min
